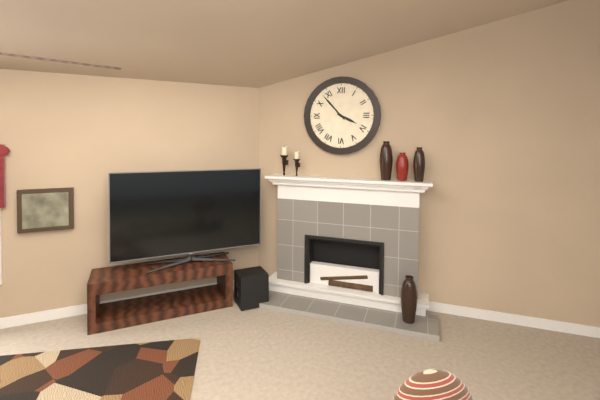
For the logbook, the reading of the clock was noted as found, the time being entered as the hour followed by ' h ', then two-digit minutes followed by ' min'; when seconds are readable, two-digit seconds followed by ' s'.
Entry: 3 h 53 min
